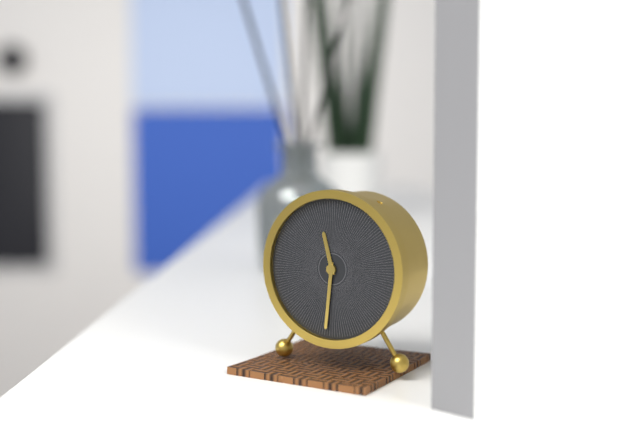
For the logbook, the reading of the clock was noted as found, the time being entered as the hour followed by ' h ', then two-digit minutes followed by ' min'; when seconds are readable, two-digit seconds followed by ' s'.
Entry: 11 h 31 min
